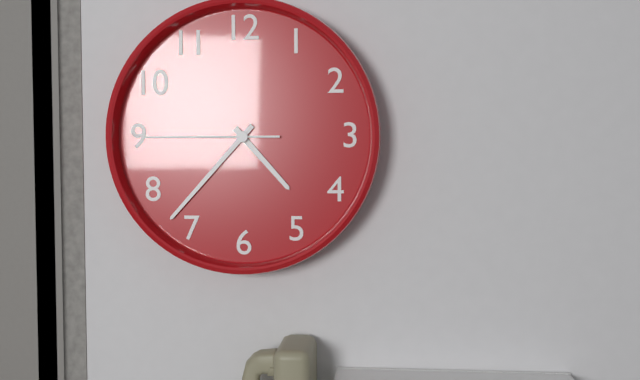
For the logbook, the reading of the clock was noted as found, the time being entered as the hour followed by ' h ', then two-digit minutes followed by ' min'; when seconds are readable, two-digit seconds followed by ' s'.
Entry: 4 h 37 min 45 s
